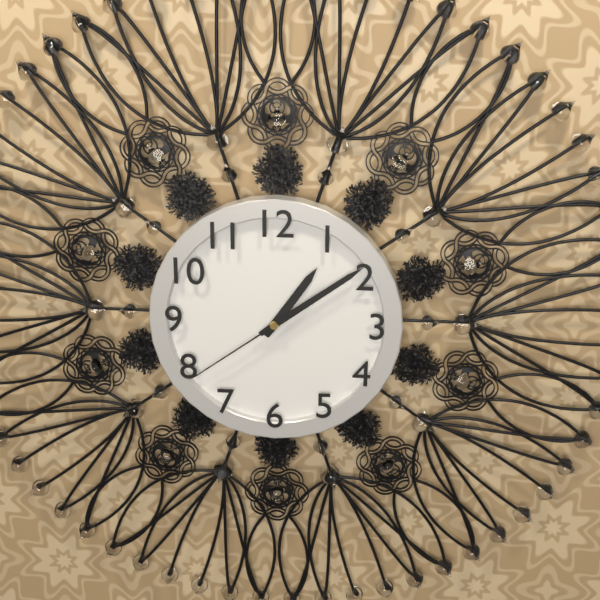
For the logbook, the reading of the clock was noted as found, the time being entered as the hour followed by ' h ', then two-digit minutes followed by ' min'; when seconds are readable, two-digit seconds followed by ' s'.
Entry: 1 h 09 min 39 s
